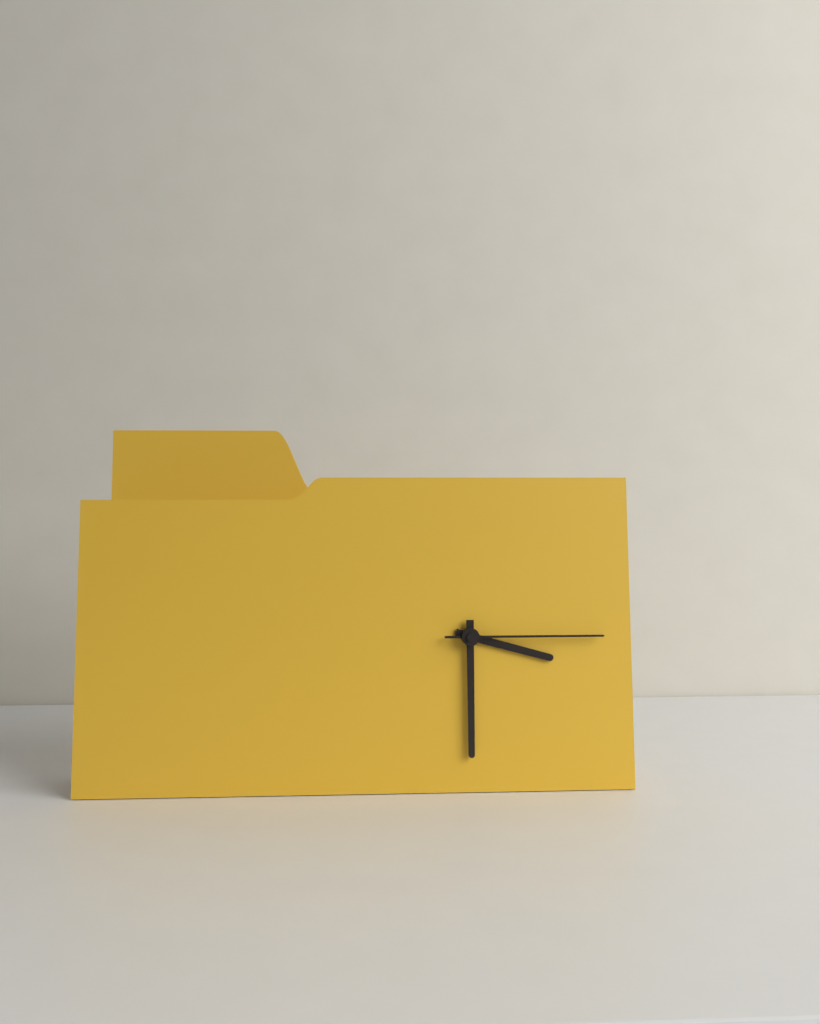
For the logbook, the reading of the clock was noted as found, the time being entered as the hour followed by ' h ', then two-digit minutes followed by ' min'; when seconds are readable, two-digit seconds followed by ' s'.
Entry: 3 h 30 min 15 s
